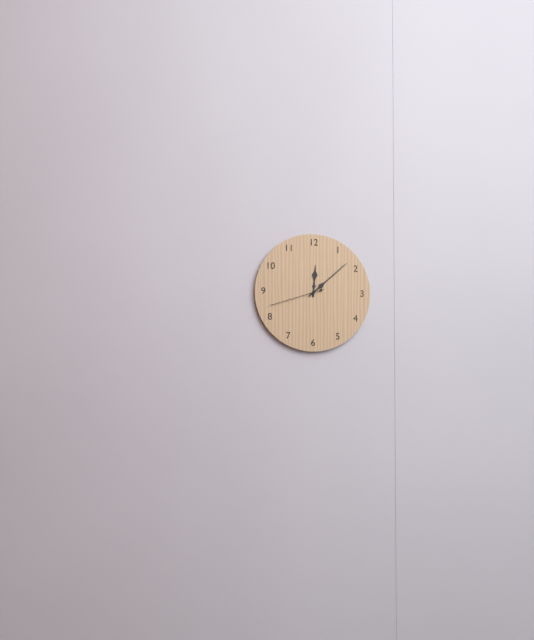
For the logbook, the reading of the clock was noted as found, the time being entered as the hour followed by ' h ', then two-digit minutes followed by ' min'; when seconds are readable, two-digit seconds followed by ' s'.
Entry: 12 h 08 min 42 s
